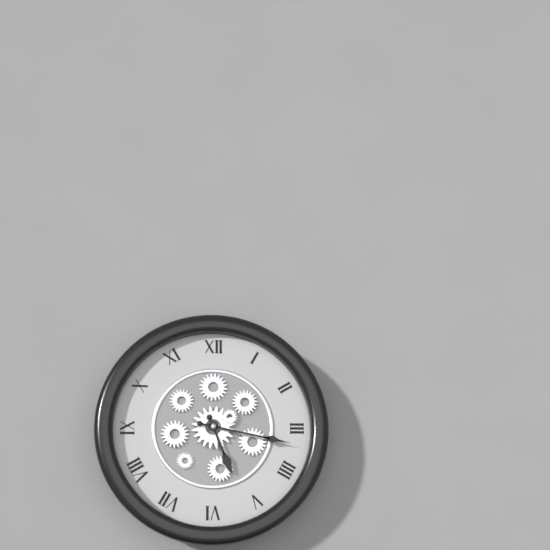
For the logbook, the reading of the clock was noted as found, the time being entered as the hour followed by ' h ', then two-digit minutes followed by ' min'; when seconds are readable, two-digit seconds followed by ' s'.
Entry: 5 h 17 min
